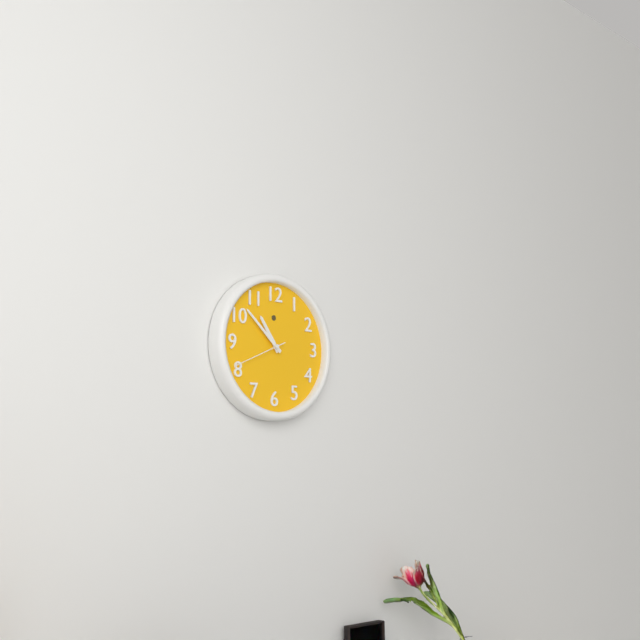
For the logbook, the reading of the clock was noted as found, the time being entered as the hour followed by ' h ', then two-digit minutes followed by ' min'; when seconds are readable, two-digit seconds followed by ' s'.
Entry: 10 h 52 min 41 s
